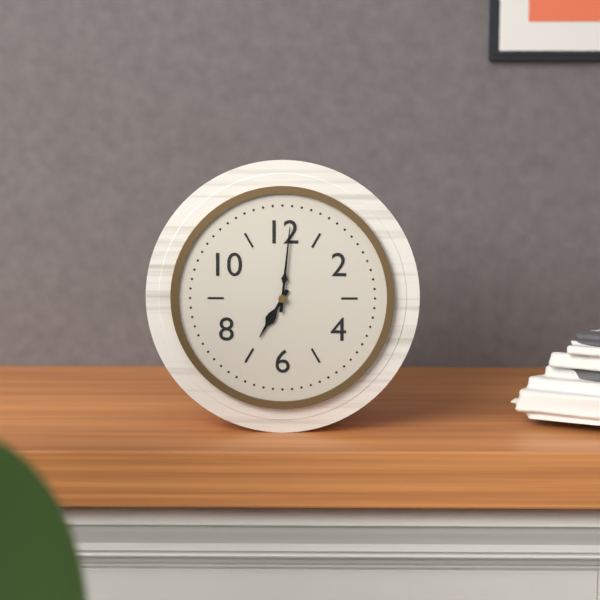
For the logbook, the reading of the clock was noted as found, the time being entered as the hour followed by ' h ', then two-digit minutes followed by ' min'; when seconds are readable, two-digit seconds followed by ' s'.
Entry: 7 h 01 min
